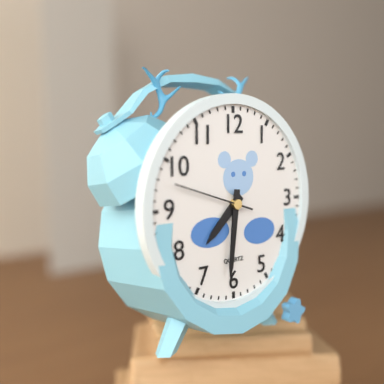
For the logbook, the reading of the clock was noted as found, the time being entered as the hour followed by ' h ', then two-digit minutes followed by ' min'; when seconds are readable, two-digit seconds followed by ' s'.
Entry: 7 h 31 min 48 s
